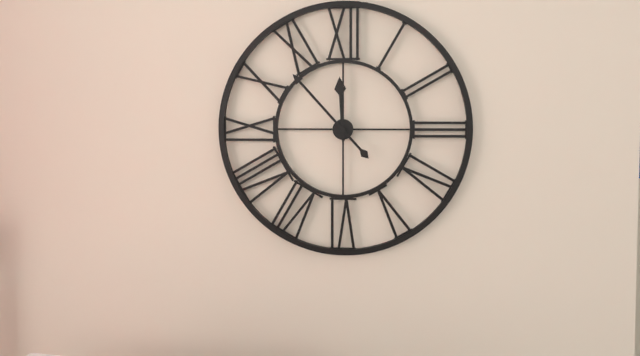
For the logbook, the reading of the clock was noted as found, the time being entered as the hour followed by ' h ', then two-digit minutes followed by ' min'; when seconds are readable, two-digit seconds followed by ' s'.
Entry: 11 h 53 min
